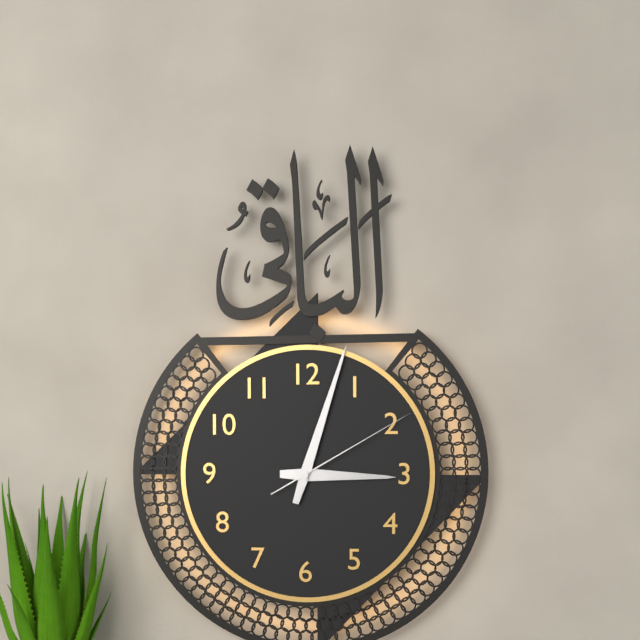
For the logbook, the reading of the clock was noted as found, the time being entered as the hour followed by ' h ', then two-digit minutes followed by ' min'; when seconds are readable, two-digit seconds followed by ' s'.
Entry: 3 h 03 min 10 s
